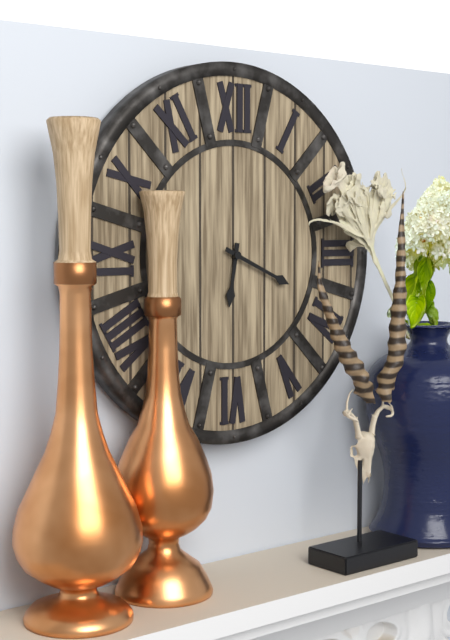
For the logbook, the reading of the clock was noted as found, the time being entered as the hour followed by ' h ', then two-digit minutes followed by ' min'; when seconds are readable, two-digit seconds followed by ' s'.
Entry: 6 h 19 min
